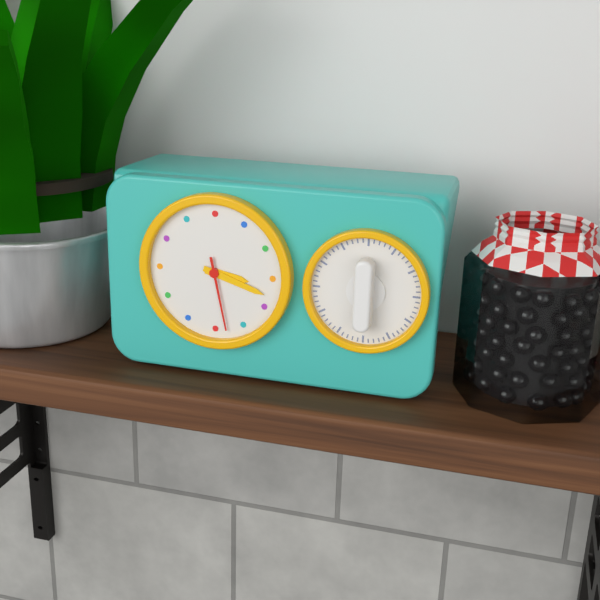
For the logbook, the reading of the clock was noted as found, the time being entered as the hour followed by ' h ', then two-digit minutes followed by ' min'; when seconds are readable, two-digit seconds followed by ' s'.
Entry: 3 h 18 min 28 s
